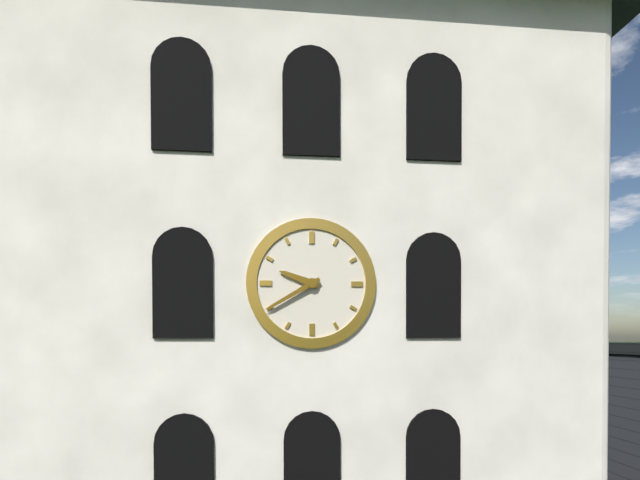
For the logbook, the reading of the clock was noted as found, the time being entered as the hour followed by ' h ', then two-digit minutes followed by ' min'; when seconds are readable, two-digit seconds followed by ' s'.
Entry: 9 h 40 min
